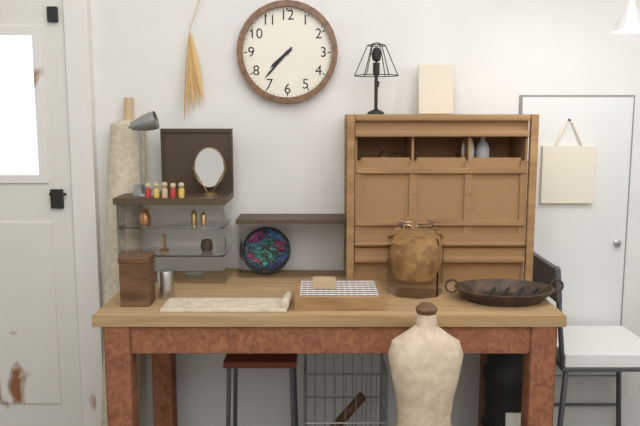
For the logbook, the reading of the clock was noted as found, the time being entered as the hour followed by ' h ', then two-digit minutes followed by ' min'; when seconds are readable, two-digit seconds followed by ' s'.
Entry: 7 h 37 min
